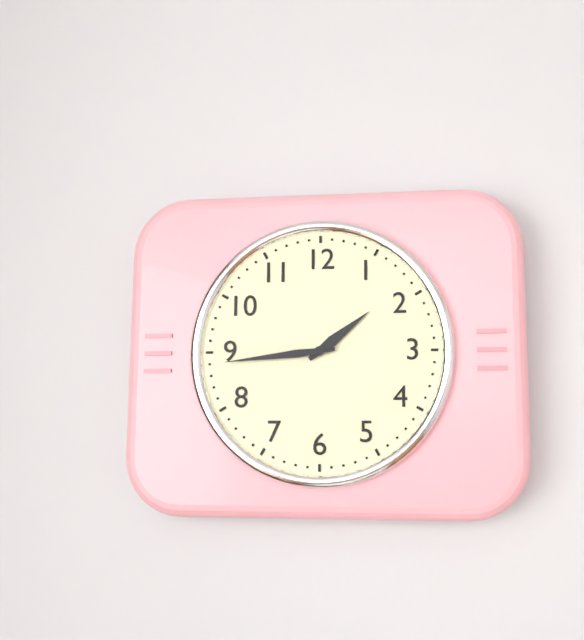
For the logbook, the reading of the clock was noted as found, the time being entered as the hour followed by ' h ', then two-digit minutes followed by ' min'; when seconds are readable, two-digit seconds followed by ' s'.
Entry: 1 h 44 min
